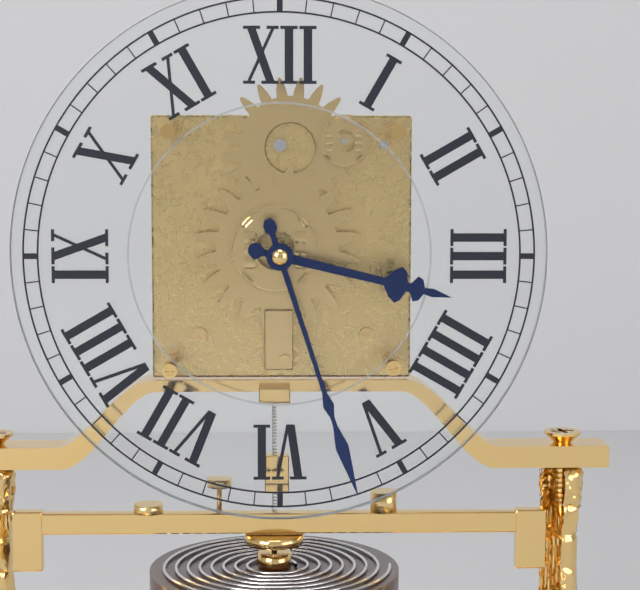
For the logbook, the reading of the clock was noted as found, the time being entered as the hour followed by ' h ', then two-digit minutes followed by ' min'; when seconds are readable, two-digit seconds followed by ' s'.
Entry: 3 h 27 min
